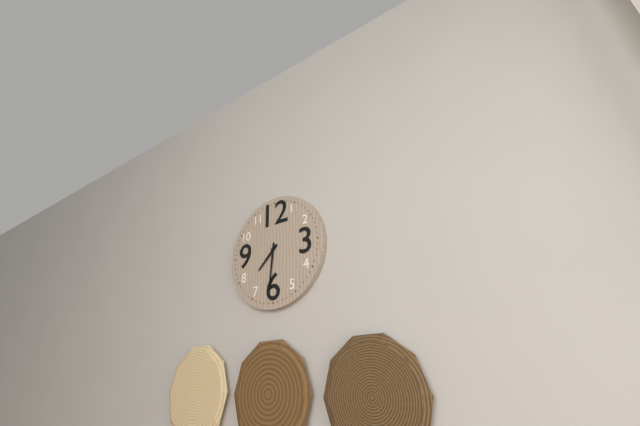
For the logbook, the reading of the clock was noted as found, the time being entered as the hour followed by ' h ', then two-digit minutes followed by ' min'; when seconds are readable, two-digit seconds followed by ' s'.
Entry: 7 h 31 min
